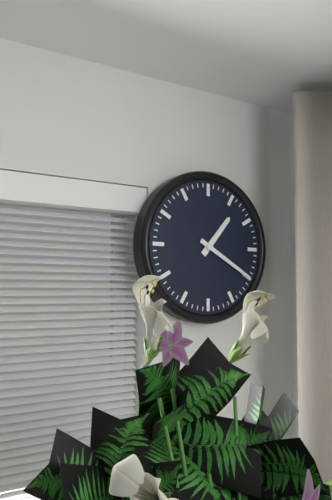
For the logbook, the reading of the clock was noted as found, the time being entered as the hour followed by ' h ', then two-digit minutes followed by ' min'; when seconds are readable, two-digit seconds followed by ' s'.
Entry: 1 h 20 min
